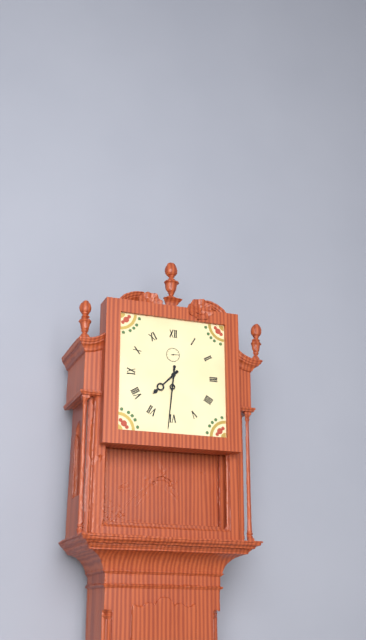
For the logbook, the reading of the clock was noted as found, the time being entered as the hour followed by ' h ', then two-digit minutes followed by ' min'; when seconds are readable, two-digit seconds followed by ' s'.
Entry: 7 h 31 min
